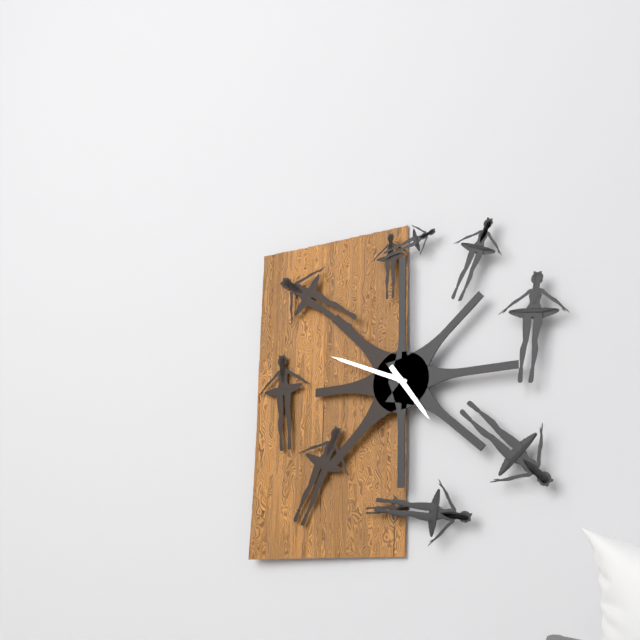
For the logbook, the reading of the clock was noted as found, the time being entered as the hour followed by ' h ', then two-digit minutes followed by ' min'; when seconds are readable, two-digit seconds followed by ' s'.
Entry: 4 h 49 min
